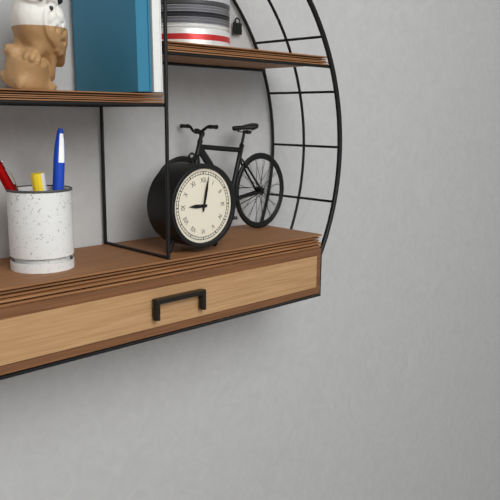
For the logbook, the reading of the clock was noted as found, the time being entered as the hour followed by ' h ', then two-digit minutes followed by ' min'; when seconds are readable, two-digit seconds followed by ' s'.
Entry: 9 h 02 min
